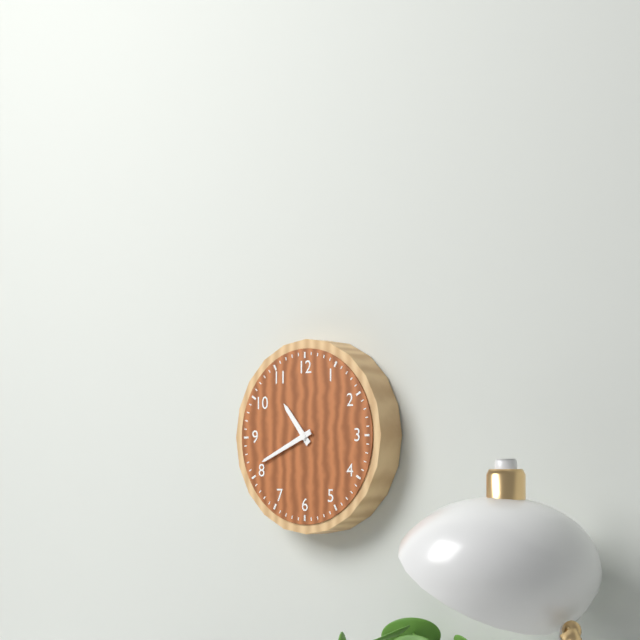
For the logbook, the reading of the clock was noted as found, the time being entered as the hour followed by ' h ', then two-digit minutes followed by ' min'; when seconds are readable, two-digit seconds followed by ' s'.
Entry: 10 h 41 min
